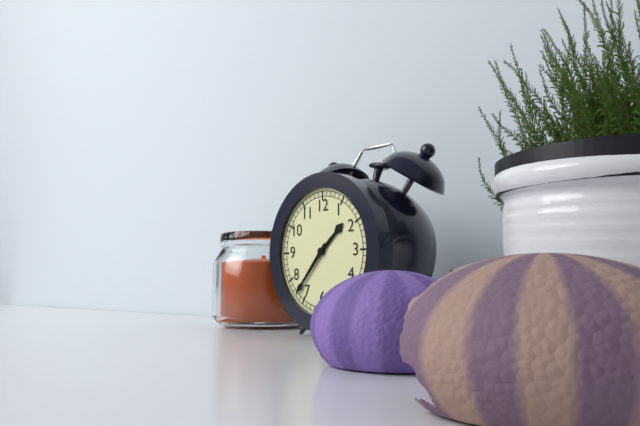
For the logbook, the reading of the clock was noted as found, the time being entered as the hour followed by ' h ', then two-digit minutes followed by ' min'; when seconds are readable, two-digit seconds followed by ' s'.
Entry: 1 h 37 min
